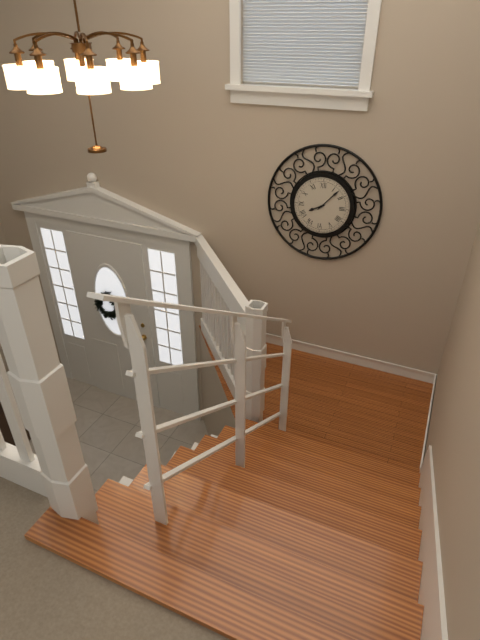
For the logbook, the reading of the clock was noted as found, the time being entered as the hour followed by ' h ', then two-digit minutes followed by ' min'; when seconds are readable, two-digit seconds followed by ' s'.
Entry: 8 h 07 min
